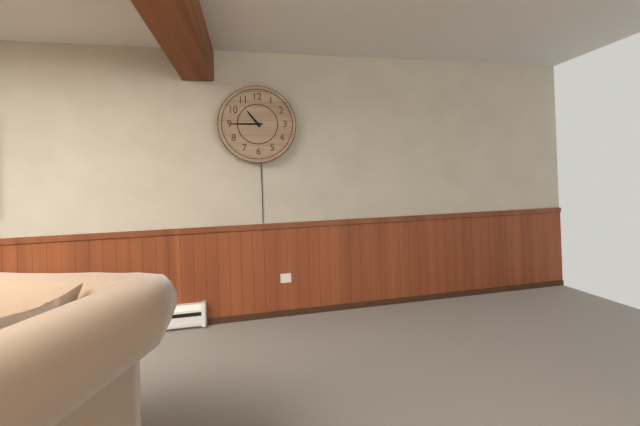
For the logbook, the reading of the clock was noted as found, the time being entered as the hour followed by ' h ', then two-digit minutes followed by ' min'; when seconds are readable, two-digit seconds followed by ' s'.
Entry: 10 h 45 min
